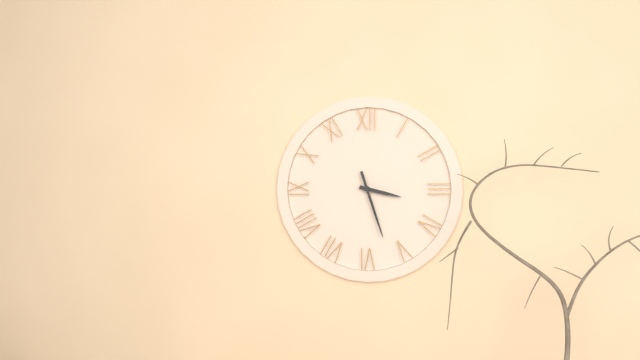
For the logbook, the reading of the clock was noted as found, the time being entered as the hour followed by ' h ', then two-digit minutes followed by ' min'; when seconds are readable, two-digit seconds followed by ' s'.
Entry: 3 h 27 min
